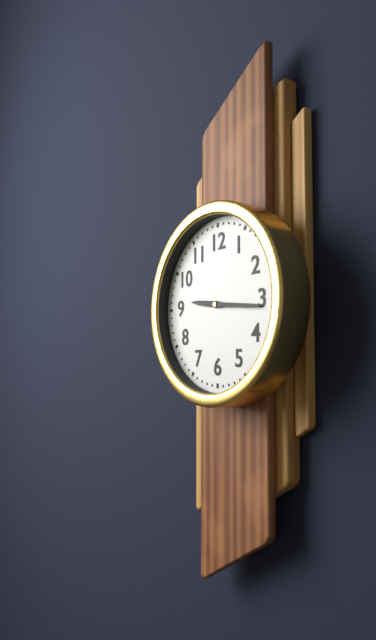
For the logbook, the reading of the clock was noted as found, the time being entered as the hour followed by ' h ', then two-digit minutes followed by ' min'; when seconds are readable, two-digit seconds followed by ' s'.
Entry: 9 h 16 min
